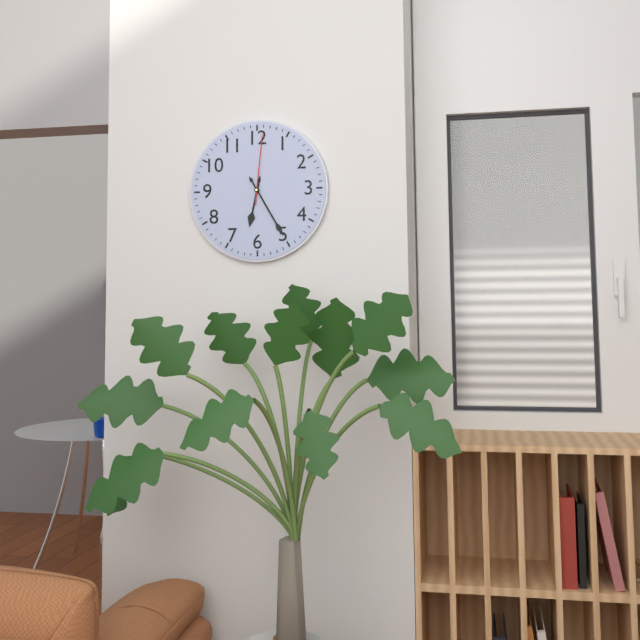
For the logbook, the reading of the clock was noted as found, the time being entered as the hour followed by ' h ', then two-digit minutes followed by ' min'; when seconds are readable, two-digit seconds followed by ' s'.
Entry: 6 h 25 min 01 s
